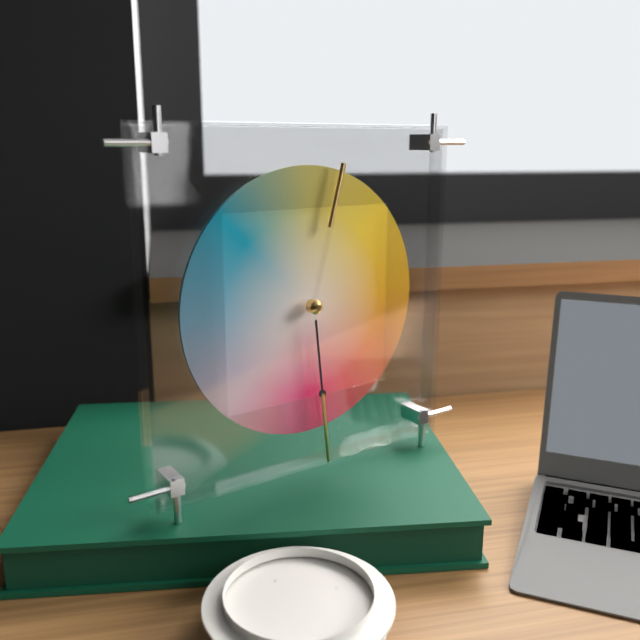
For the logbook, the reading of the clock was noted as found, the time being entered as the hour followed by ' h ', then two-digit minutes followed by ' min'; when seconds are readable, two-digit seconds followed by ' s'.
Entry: 12 h 29 min
